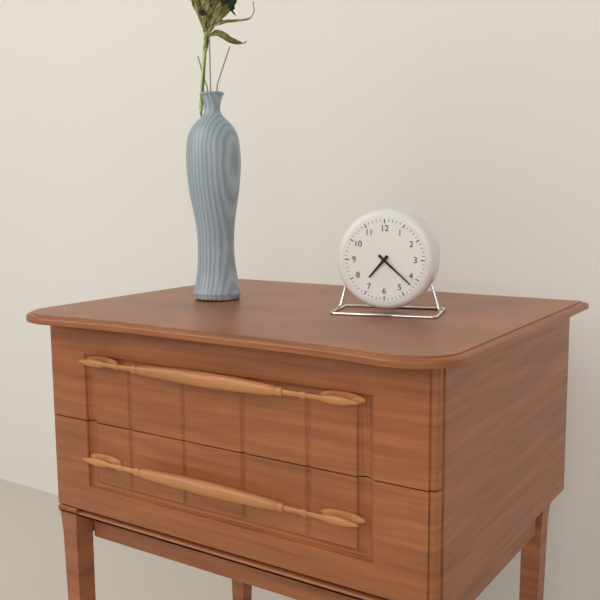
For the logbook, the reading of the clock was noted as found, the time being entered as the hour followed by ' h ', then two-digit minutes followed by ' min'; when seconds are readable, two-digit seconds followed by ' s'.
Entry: 7 h 22 min
